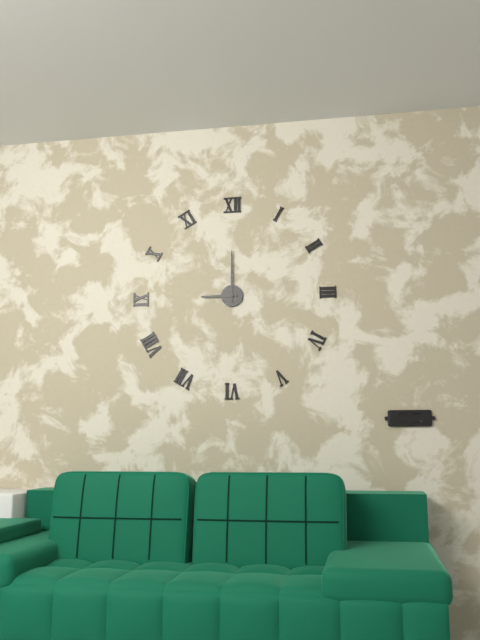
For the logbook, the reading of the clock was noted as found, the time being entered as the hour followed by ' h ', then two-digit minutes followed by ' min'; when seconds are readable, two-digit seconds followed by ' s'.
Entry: 9 h 00 min
